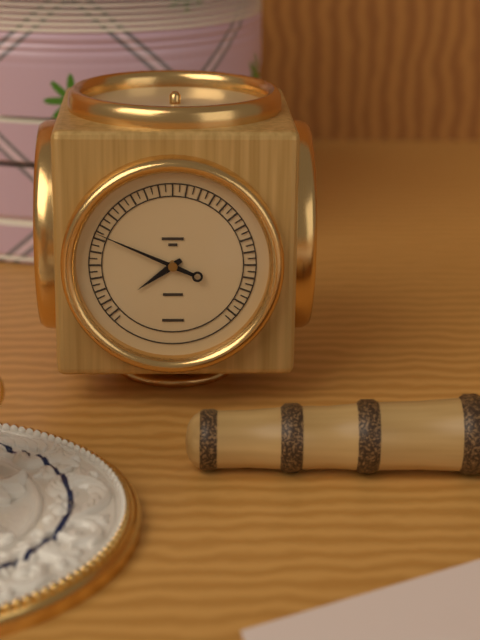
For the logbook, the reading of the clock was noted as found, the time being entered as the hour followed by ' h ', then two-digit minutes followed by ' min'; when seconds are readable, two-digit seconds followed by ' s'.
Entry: 7 h 49 min
